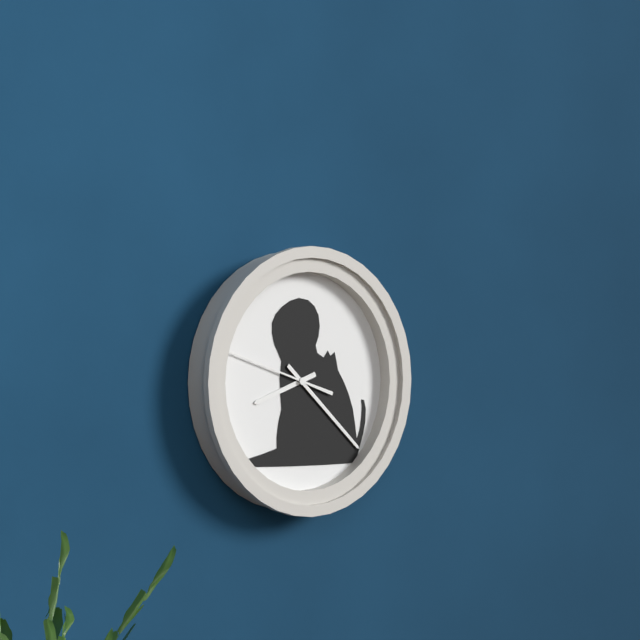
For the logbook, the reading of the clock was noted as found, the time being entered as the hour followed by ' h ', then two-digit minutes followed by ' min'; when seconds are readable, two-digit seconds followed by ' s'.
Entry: 8 h 22 min 48 s
